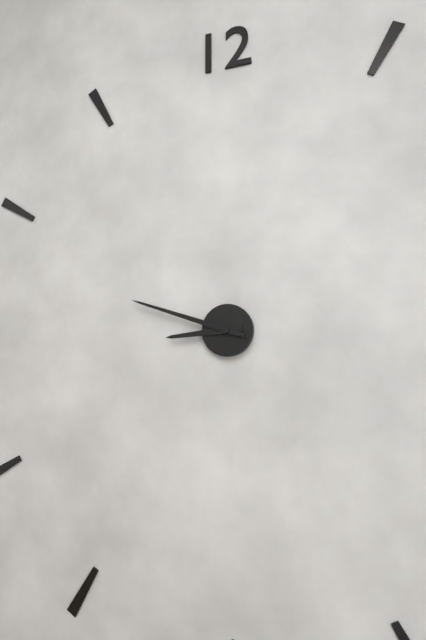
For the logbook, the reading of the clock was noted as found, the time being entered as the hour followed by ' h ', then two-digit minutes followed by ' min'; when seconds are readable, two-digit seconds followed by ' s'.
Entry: 8 h 48 min
